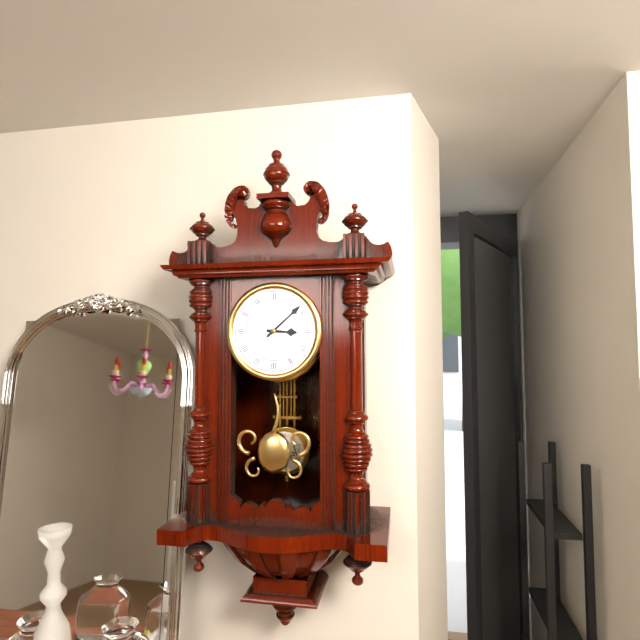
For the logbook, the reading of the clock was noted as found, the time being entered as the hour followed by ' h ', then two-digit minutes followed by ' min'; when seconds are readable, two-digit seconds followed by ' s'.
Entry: 3 h 08 min
